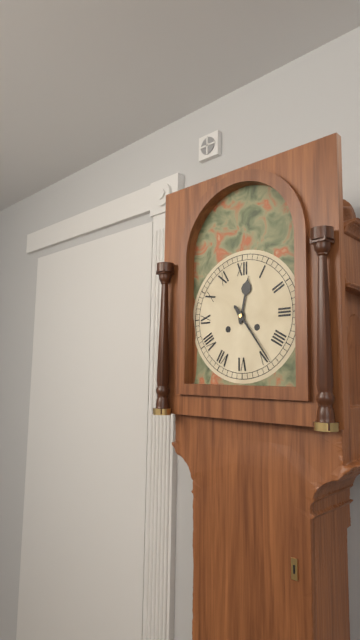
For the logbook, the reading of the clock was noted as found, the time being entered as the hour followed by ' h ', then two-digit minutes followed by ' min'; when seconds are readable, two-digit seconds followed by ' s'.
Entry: 12 h 24 min
